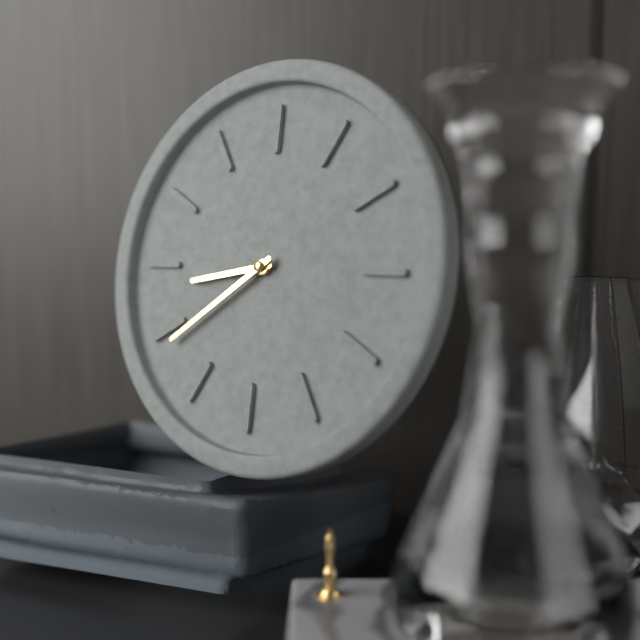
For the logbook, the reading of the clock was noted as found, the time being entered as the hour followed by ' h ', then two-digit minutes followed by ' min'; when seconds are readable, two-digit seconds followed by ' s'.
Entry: 8 h 39 min
